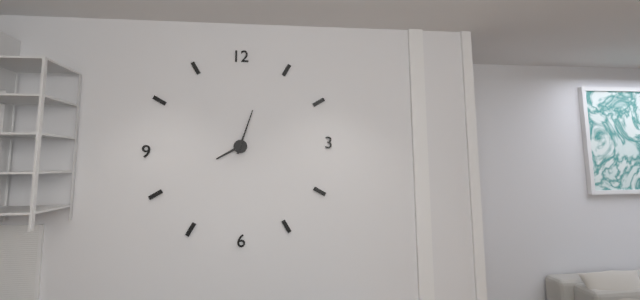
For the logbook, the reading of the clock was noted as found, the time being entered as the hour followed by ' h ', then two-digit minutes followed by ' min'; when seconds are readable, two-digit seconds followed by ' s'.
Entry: 8 h 03 min
